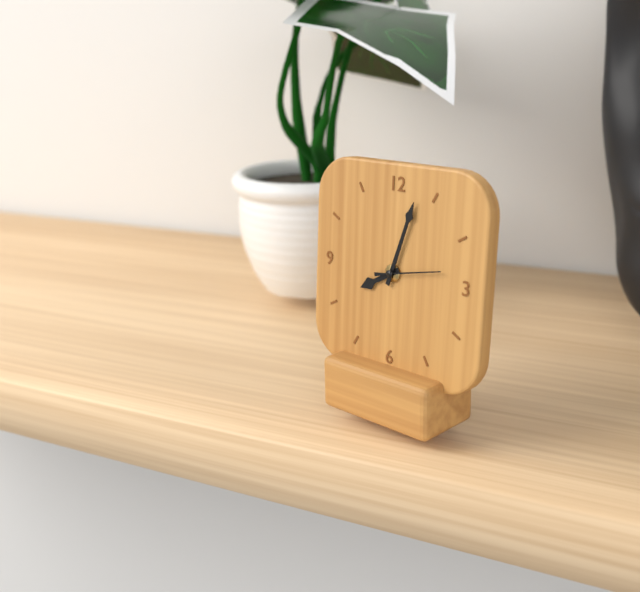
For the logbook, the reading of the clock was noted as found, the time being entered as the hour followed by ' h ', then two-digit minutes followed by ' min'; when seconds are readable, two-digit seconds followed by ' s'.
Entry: 8 h 03 min 13 s
